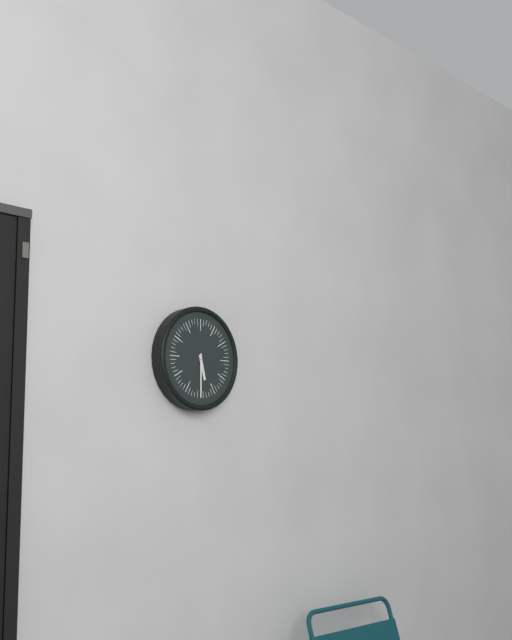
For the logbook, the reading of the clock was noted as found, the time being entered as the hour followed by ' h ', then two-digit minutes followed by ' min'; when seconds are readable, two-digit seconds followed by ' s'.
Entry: 5 h 30 min
